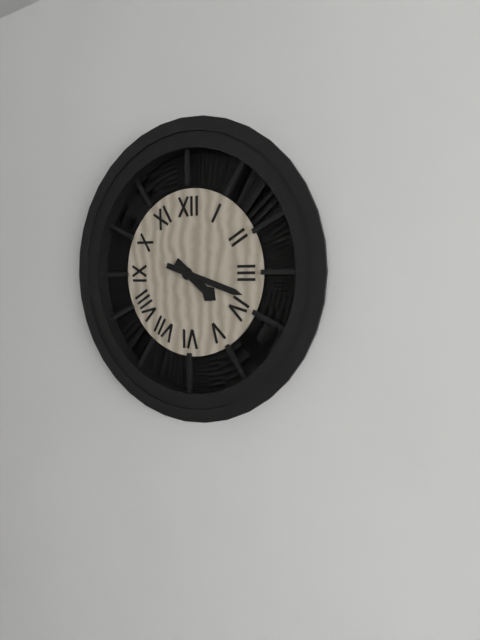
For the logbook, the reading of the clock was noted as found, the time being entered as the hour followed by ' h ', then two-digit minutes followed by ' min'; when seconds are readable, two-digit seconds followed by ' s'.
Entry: 4 h 18 min
